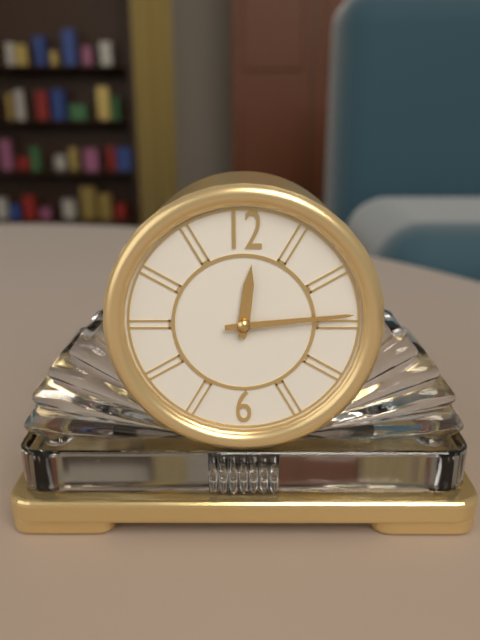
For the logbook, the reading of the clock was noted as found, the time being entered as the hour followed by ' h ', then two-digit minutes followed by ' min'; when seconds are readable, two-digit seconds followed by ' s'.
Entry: 12 h 14 min
